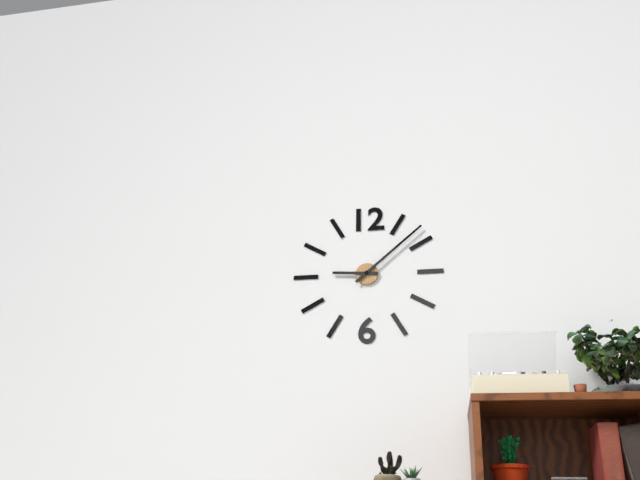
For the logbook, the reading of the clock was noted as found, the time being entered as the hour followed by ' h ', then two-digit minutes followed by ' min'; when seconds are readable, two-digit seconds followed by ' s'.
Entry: 9 h 08 min
